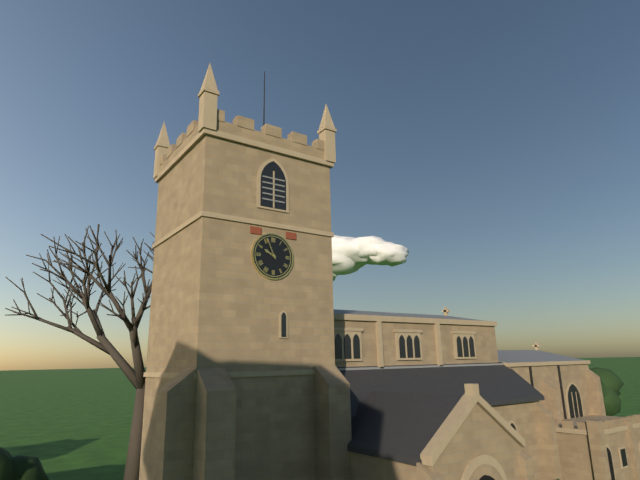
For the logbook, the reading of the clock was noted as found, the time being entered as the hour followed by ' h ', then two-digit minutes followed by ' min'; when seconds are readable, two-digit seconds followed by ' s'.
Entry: 9 h 56 min
